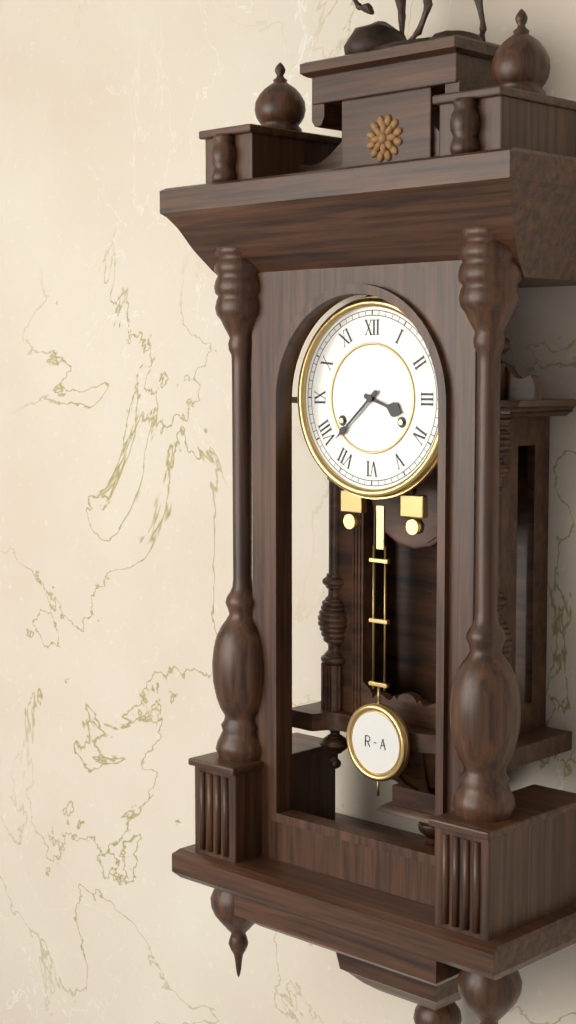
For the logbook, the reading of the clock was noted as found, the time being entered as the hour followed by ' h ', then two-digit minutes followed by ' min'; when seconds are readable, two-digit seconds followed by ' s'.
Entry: 3 h 38 min
